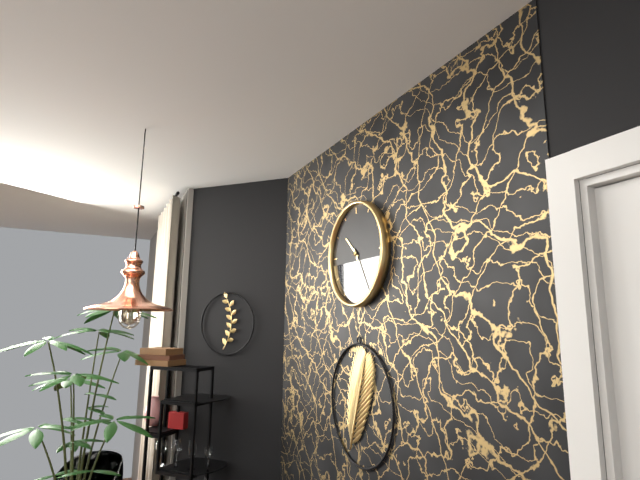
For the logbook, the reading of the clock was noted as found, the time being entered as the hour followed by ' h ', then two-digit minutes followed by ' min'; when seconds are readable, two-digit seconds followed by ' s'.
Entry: 10 h 25 min
